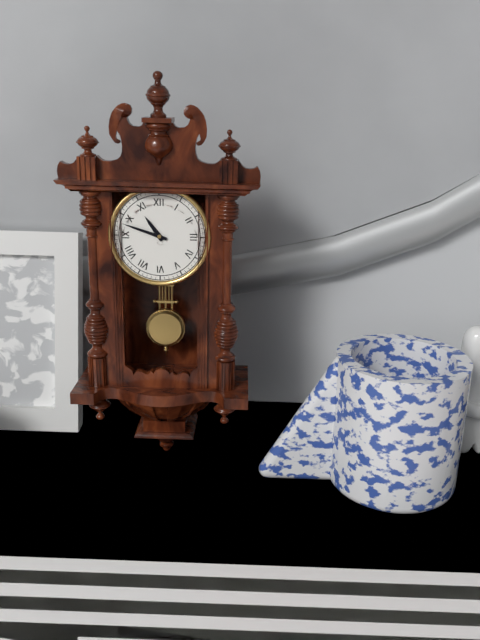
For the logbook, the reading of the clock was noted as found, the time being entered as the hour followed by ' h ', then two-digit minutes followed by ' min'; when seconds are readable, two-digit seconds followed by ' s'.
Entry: 10 h 48 min
